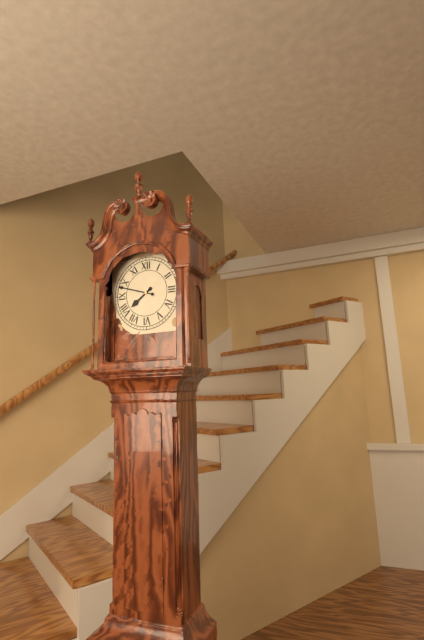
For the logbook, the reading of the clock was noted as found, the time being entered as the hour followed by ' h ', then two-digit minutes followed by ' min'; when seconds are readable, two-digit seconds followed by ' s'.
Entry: 7 h 48 min
